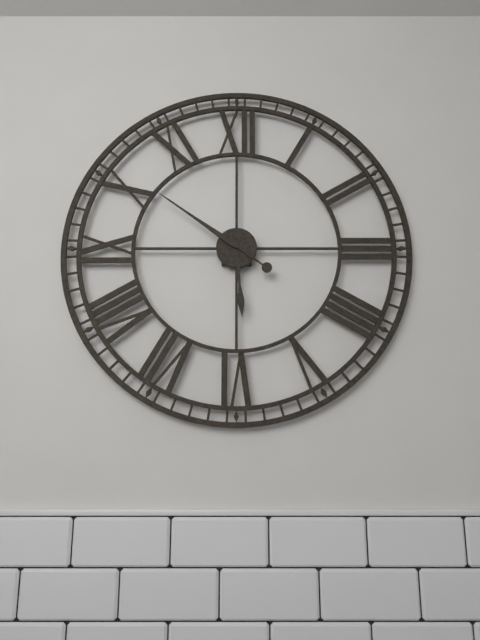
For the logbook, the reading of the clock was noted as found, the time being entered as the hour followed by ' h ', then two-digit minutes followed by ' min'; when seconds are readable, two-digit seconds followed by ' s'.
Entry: 5 h 51 min
